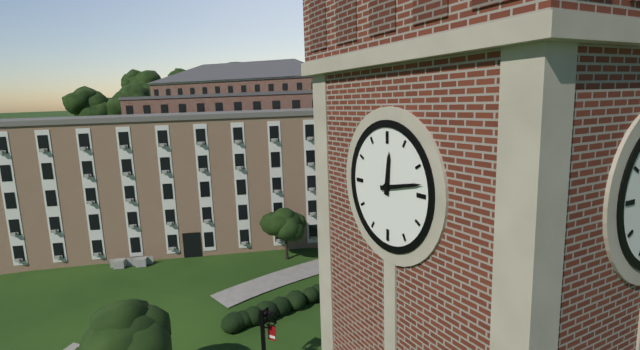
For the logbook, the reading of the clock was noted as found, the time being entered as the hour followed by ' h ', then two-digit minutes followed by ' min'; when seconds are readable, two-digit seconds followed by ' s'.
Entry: 12 h 13 min
